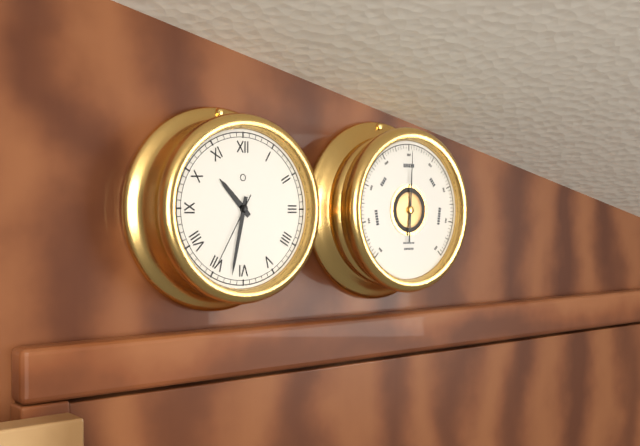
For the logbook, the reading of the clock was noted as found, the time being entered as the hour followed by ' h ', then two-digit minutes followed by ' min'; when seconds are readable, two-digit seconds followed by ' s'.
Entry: 10 h 32 min 35 s
